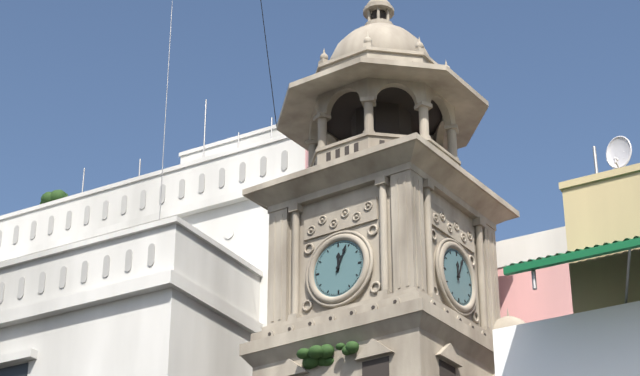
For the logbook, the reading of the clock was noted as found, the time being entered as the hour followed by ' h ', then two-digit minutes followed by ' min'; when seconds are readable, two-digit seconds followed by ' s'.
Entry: 12 h 04 min
